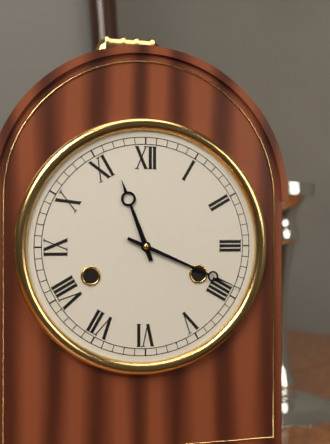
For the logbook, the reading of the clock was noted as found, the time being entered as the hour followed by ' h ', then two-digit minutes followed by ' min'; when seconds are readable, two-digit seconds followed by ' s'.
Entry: 11 h 19 min
